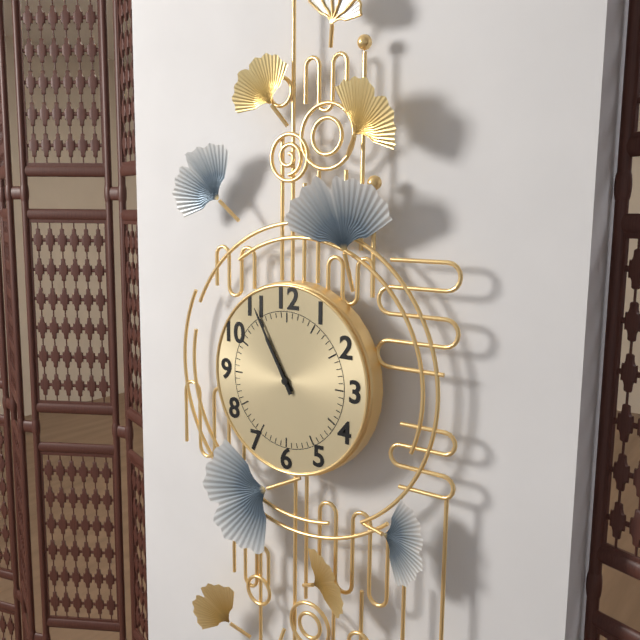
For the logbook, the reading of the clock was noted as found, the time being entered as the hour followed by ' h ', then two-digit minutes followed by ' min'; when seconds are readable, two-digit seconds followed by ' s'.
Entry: 10 h 55 min
